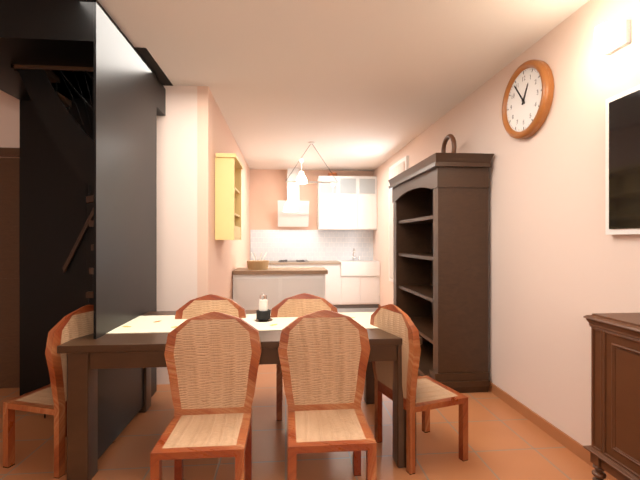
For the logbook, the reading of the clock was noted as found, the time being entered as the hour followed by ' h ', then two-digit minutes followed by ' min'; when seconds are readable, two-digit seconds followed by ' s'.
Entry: 12 h 54 min
